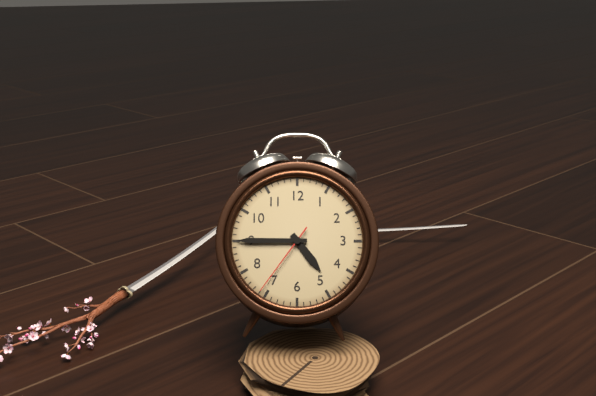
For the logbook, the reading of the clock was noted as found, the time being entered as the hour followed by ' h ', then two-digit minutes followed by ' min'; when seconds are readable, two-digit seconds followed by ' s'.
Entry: 4 h 45 min 36 s
